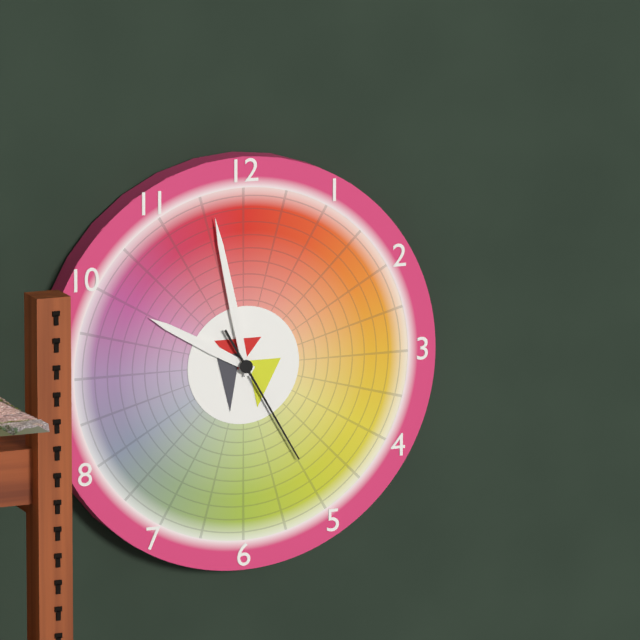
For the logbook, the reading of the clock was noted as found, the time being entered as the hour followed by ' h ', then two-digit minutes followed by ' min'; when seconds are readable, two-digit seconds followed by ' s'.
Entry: 9 h 58 min 25 s
